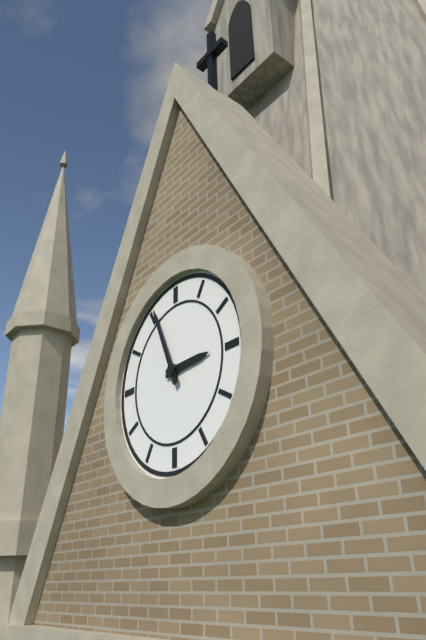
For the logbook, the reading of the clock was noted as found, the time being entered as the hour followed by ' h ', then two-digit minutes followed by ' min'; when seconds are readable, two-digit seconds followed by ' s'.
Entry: 2 h 56 min
